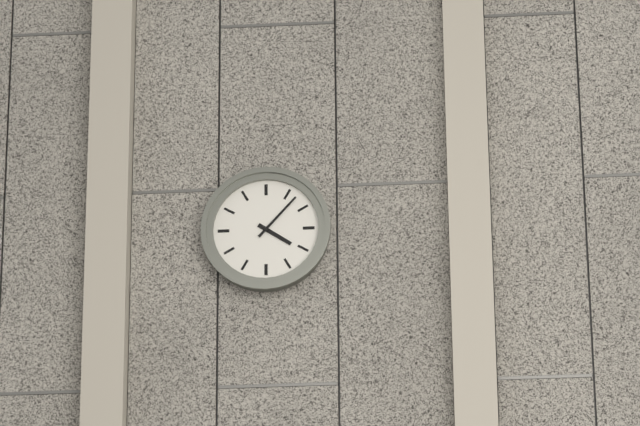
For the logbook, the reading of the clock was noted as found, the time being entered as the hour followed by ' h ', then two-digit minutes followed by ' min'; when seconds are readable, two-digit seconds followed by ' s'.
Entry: 4 h 07 min
